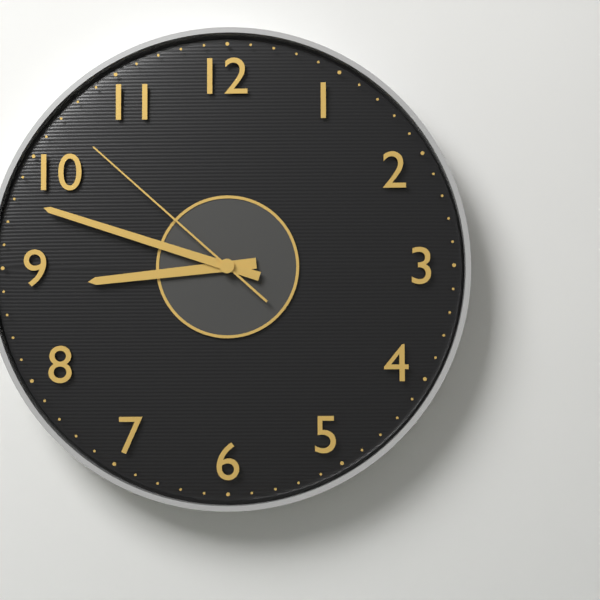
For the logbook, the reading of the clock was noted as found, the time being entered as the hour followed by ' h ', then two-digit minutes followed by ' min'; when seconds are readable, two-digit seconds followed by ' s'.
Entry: 8 h 48 min 52 s
